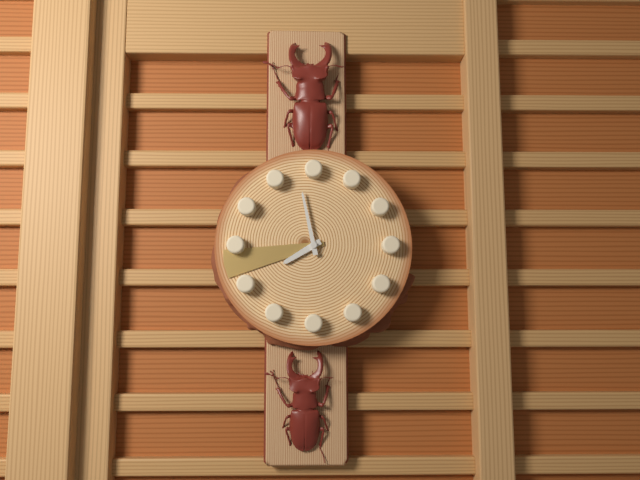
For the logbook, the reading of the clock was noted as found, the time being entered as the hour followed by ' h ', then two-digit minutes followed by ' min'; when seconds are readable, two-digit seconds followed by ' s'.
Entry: 7 h 58 min 43 s
